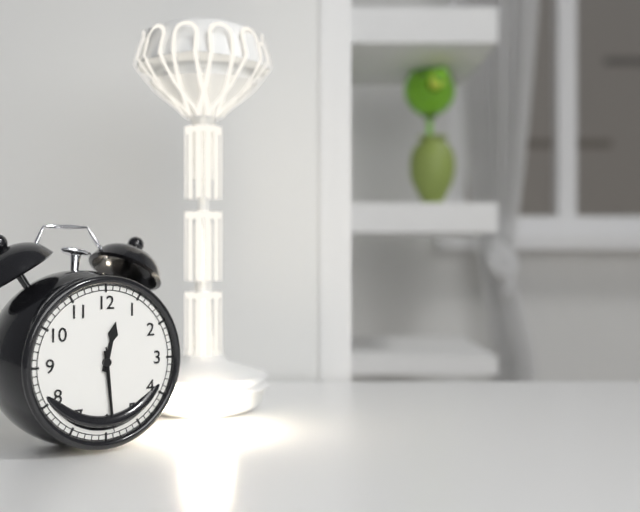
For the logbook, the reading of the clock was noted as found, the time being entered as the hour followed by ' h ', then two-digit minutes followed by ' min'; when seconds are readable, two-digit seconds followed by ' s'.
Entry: 12 h 29 min 29 s
